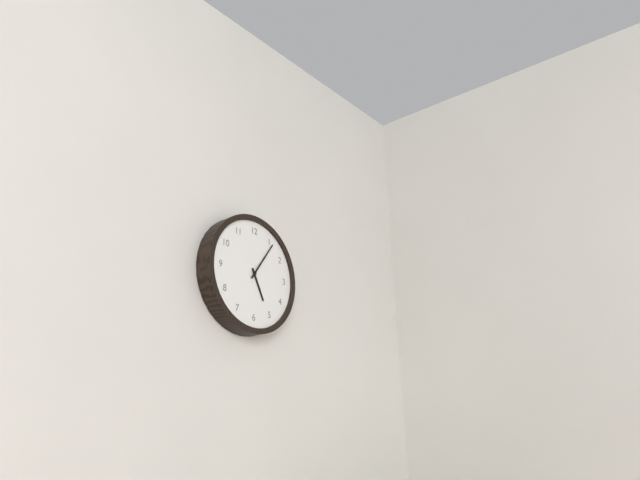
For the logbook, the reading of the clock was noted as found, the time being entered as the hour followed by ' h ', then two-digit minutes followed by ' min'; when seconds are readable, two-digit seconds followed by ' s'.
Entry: 5 h 06 min
